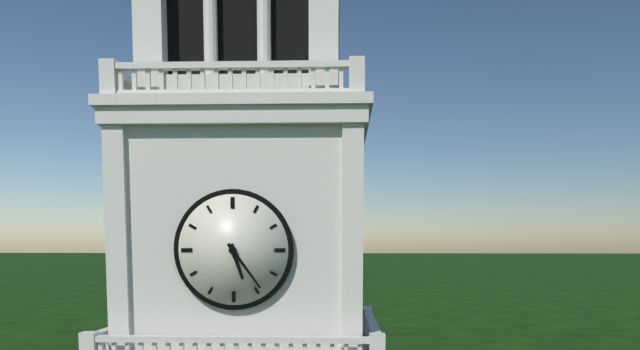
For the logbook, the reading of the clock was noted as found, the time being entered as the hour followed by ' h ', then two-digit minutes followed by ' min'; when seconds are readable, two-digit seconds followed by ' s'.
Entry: 5 h 24 min
